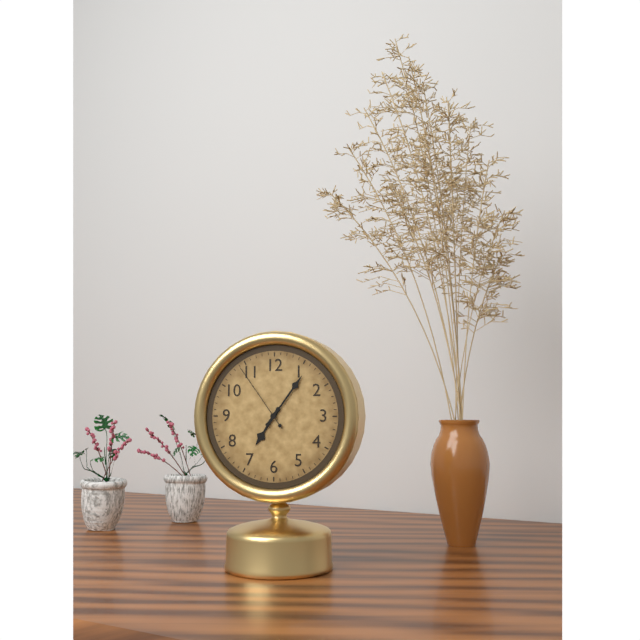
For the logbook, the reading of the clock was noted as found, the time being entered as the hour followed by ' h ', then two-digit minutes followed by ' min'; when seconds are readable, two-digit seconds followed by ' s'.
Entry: 7 h 06 min 54 s
